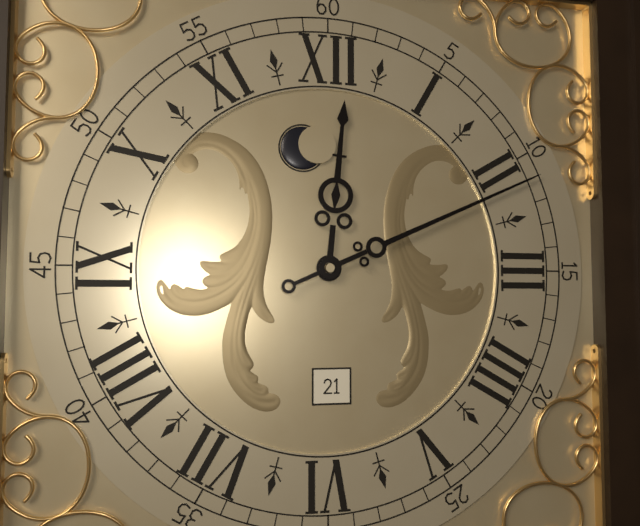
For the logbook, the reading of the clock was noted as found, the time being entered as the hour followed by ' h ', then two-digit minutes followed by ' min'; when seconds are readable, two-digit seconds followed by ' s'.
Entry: 12 h 11 min
